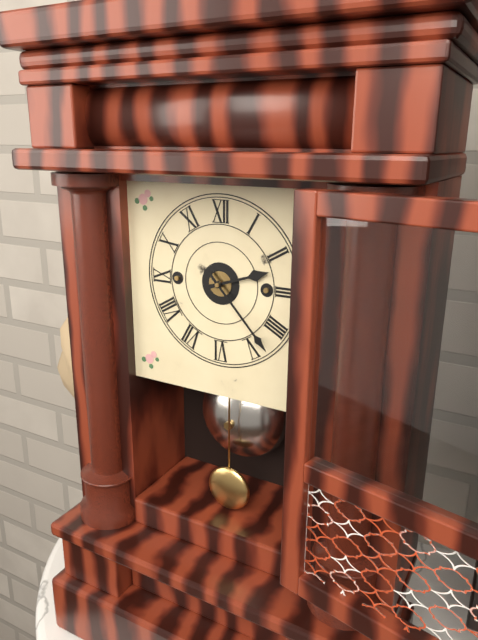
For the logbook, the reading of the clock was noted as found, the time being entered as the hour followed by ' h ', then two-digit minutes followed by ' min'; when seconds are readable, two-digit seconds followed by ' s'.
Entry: 2 h 23 min
